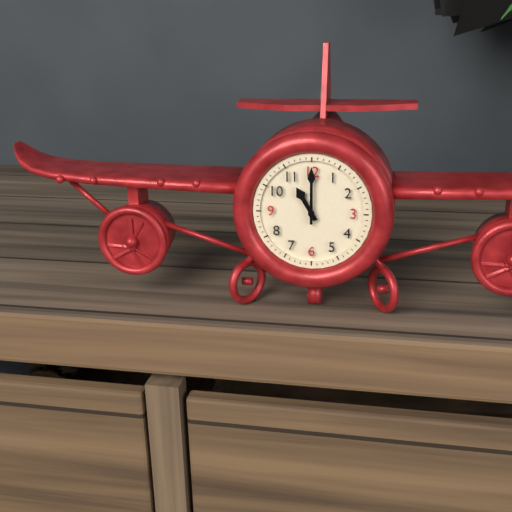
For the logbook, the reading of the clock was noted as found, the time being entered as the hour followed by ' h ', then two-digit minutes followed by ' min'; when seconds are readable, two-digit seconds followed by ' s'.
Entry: 11 h 00 min
